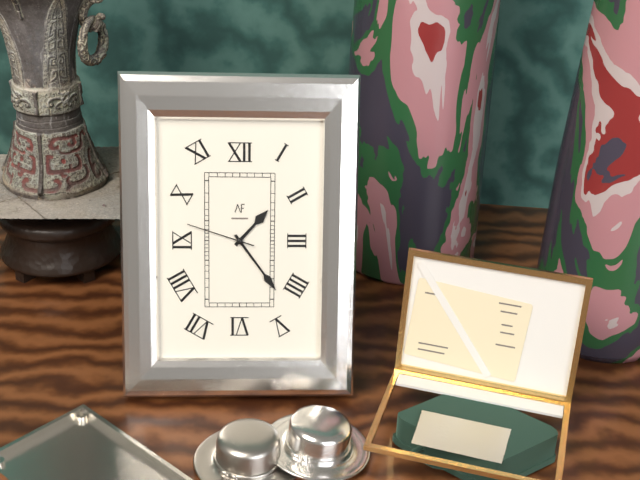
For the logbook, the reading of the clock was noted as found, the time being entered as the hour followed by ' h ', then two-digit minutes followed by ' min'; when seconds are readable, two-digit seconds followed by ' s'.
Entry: 1 h 24 min 48 s
